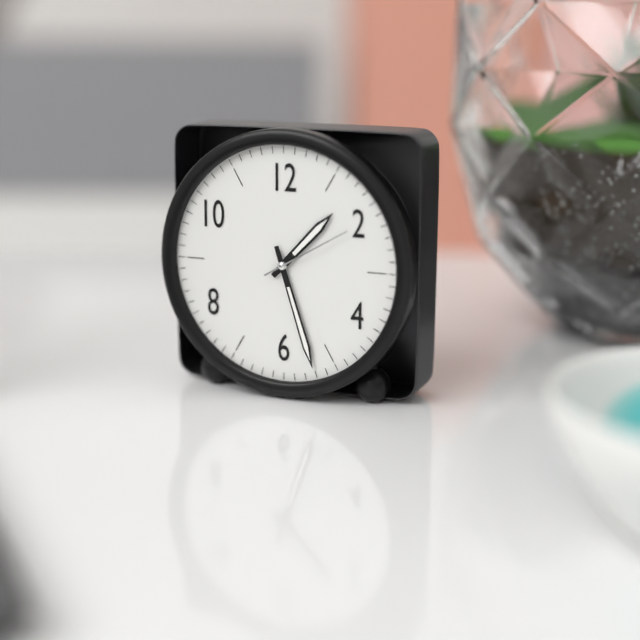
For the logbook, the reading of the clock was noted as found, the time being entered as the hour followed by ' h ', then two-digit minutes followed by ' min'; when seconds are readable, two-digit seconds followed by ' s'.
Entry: 1 h 27 min 10 s
